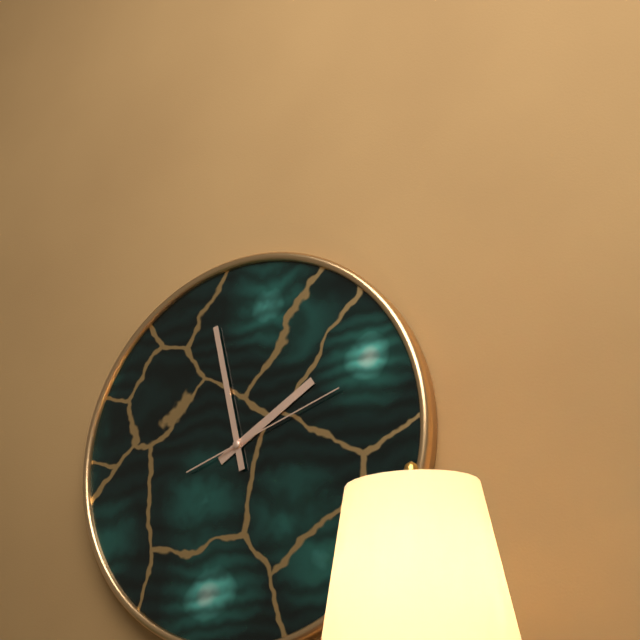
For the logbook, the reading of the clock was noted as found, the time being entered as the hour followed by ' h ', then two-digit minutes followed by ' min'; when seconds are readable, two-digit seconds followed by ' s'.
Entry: 1 h 58 min 12 s
